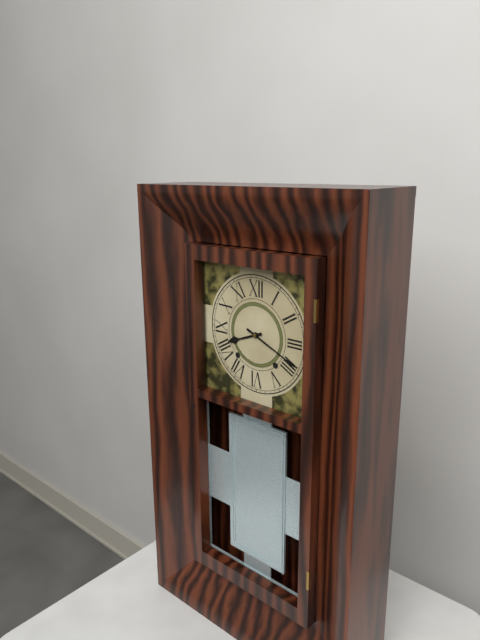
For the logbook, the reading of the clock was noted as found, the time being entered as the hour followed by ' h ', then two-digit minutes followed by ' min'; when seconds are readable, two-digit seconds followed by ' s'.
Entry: 8 h 19 min
